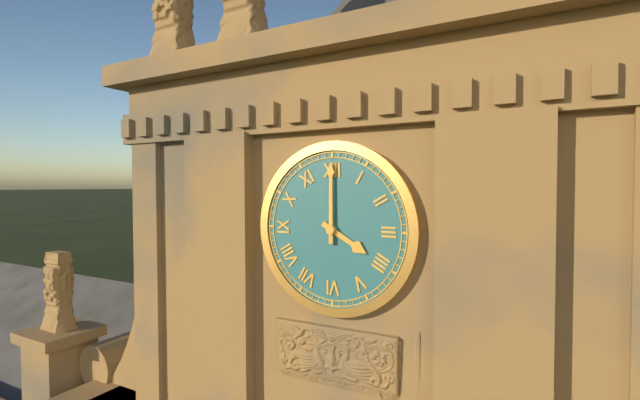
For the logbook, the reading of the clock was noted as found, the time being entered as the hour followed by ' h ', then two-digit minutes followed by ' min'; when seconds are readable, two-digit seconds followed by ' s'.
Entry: 4 h 00 min
